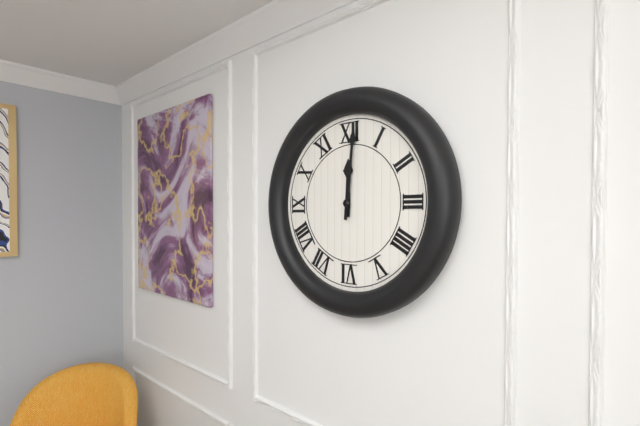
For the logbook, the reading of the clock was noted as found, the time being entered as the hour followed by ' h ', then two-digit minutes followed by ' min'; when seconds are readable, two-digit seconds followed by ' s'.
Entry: 12 h 01 min
